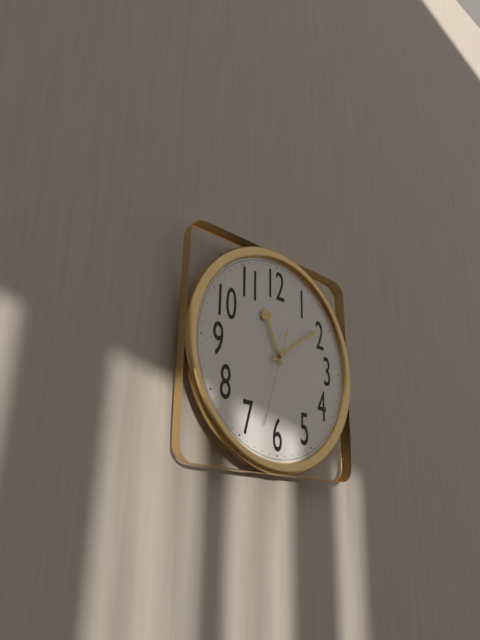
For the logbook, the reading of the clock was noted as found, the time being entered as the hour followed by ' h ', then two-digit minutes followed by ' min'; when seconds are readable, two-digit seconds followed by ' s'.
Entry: 11 h 09 min 33 s
